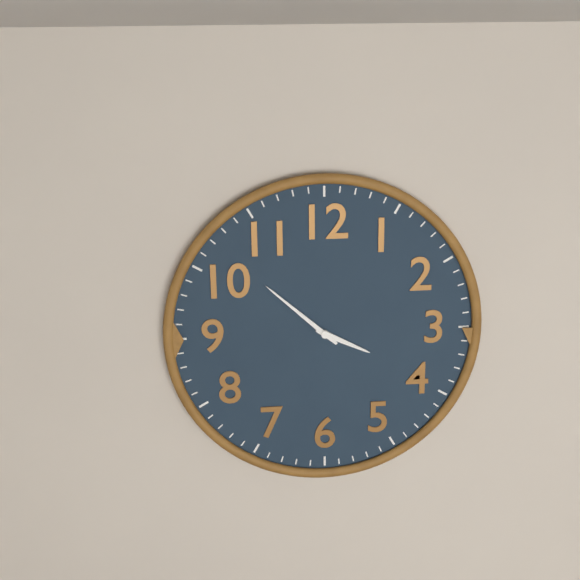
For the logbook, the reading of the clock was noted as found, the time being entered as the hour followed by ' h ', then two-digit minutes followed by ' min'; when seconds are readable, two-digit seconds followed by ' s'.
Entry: 3 h 52 min
